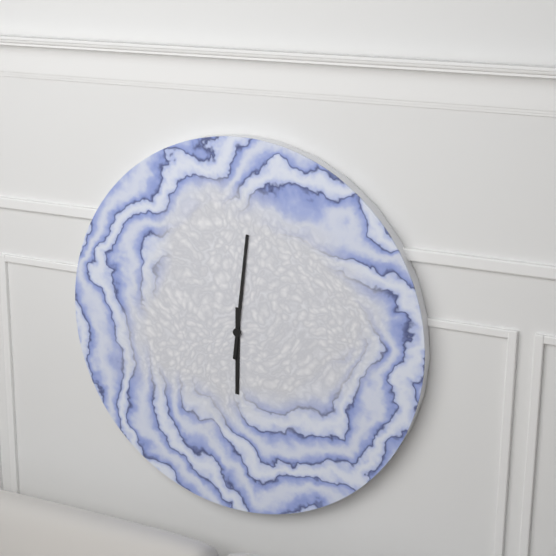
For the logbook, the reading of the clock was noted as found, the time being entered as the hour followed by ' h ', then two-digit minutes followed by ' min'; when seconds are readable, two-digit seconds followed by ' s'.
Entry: 6 h 01 min
